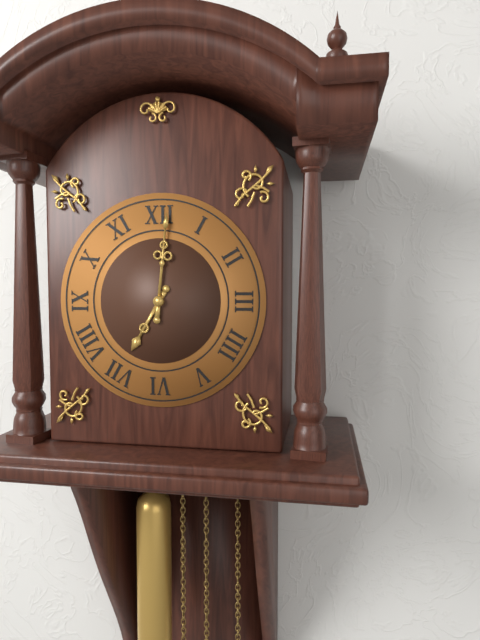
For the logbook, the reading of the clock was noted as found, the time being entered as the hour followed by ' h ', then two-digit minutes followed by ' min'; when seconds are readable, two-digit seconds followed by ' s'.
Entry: 7 h 01 min
